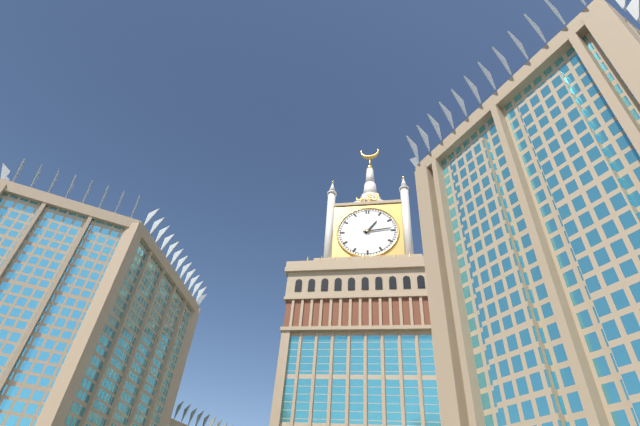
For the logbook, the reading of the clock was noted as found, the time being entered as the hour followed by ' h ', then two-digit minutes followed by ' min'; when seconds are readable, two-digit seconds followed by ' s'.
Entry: 1 h 14 min
